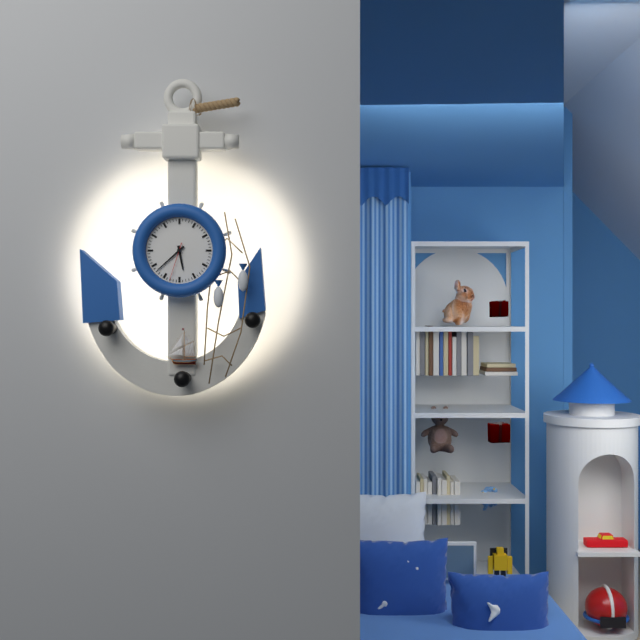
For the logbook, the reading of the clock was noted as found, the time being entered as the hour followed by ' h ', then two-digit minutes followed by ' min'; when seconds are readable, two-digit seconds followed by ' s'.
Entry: 5 h 38 min
